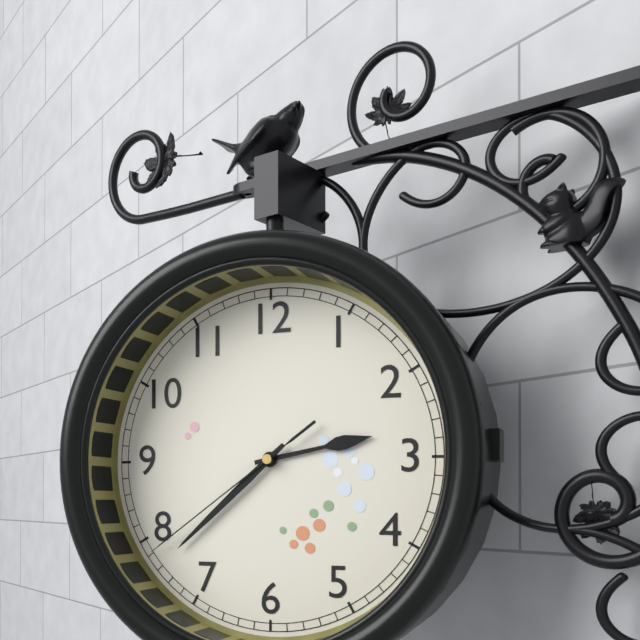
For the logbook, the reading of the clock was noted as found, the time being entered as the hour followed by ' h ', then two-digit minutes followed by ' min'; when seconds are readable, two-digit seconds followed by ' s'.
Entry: 2 h 38 min 39 s
